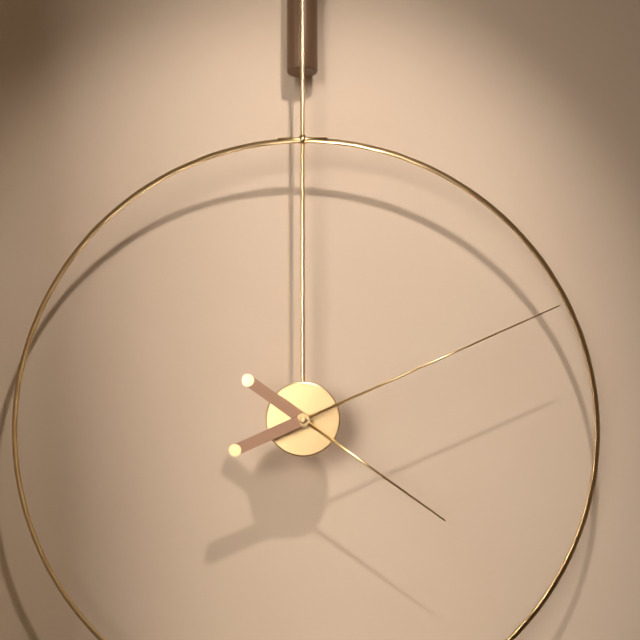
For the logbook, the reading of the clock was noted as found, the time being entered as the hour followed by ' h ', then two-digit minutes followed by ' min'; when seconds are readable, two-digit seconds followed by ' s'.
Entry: 4 h 11 min
